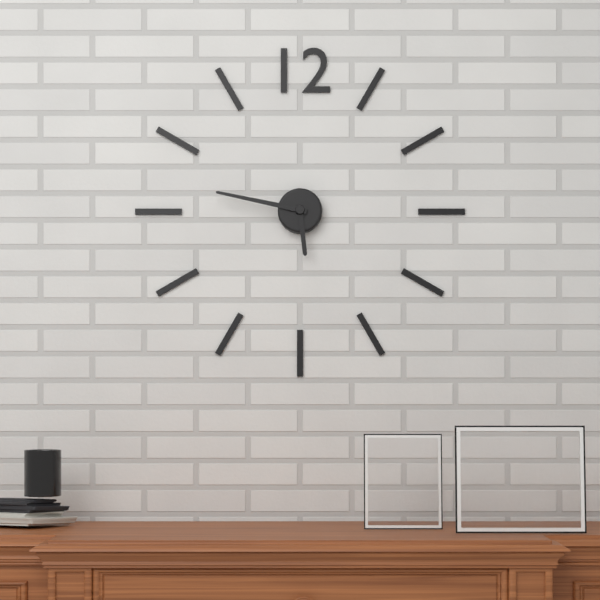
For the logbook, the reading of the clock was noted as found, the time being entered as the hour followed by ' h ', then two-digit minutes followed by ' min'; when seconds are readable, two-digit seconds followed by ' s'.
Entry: 5 h 47 min
